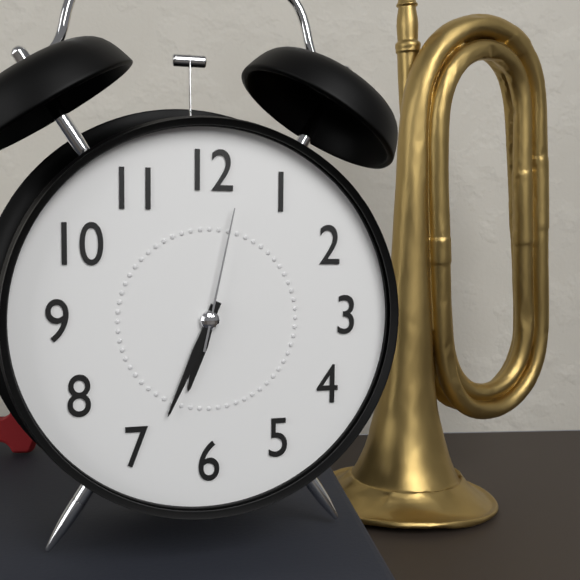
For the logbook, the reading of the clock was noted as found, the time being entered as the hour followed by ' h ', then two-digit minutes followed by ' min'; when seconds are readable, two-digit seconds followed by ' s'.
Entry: 6 h 34 min 02 s
